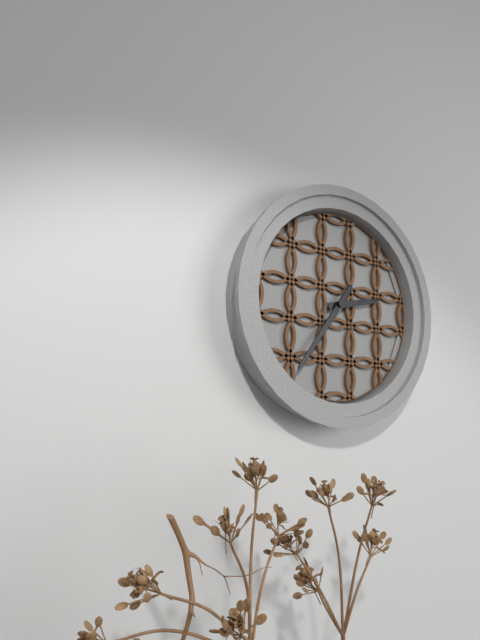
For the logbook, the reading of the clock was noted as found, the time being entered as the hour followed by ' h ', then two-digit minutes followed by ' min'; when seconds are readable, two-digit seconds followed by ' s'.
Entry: 2 h 36 min
